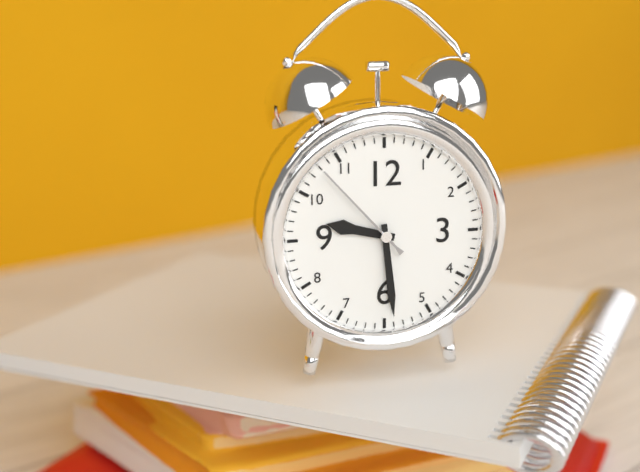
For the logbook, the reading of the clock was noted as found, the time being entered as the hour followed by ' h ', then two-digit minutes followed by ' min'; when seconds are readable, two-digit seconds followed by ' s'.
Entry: 9 h 29 min 53 s
